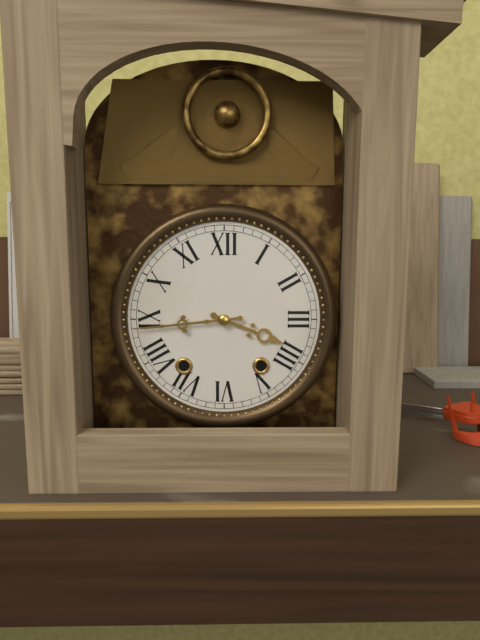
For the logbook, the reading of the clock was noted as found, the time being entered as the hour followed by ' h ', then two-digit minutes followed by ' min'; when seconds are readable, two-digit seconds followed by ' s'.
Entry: 3 h 44 min
